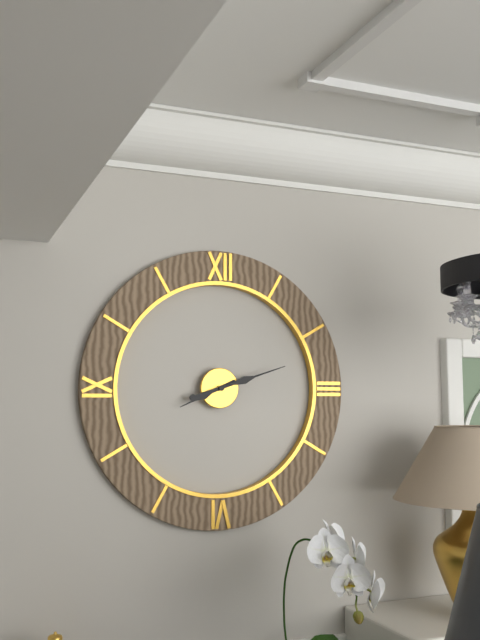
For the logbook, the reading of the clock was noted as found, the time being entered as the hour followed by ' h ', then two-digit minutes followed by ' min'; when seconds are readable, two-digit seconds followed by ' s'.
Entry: 8 h 12 min
